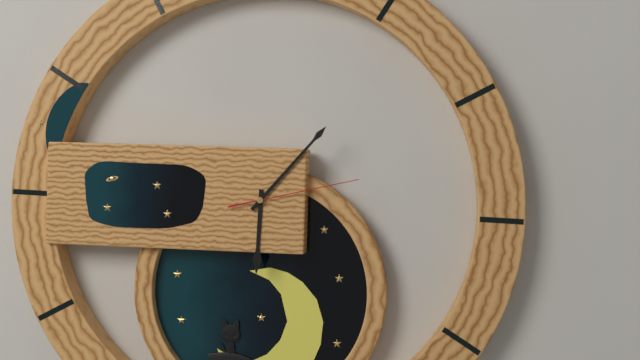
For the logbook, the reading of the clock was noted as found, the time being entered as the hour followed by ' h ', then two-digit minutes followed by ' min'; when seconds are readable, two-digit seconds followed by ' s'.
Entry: 6 h 07 min 13 s
